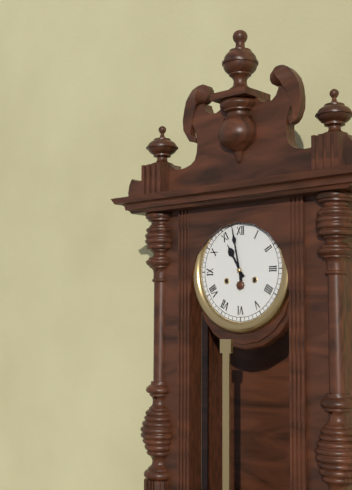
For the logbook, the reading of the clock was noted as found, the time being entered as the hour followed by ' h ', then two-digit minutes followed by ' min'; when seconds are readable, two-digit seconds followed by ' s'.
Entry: 10 h 58 min
